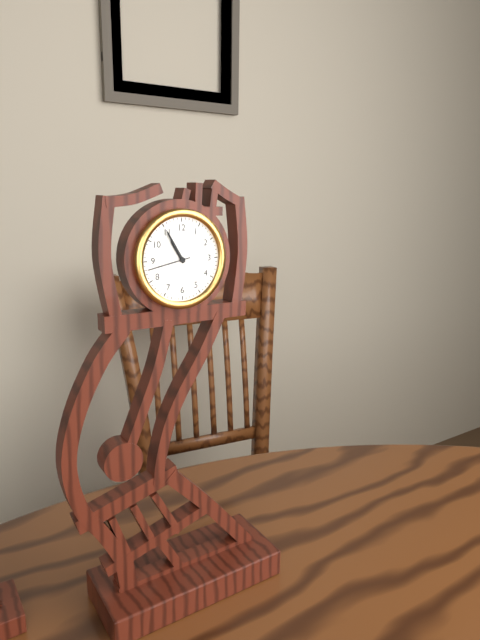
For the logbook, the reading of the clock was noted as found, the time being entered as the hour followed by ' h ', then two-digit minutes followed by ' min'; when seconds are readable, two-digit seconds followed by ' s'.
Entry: 10 h 55 min
